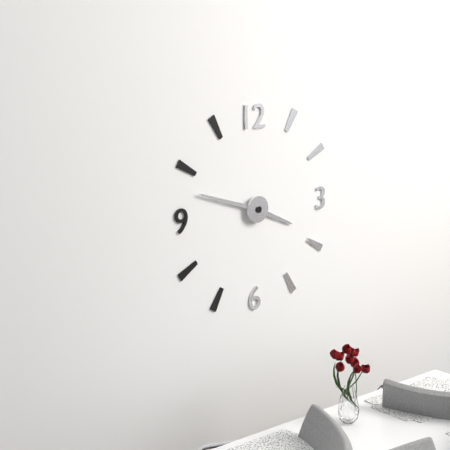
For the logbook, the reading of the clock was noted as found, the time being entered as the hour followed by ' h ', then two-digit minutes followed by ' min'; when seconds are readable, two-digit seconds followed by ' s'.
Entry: 3 h 48 min
